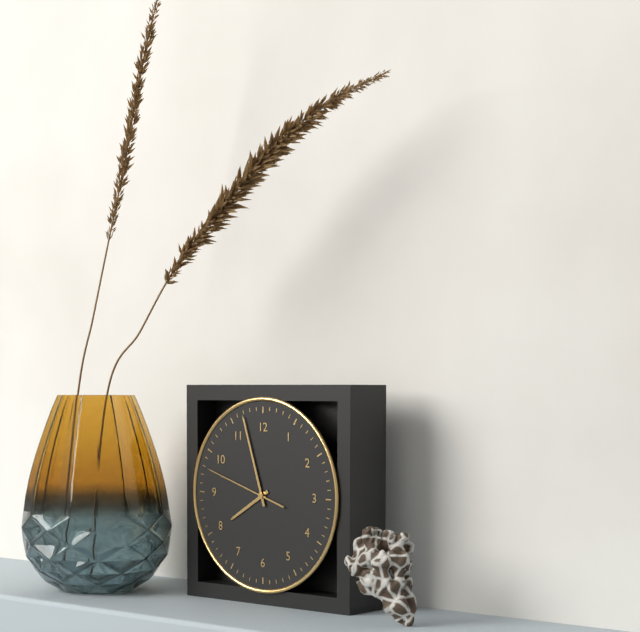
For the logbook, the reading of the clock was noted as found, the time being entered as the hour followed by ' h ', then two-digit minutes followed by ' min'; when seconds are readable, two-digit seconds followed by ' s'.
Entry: 7 h 57 min 48 s
